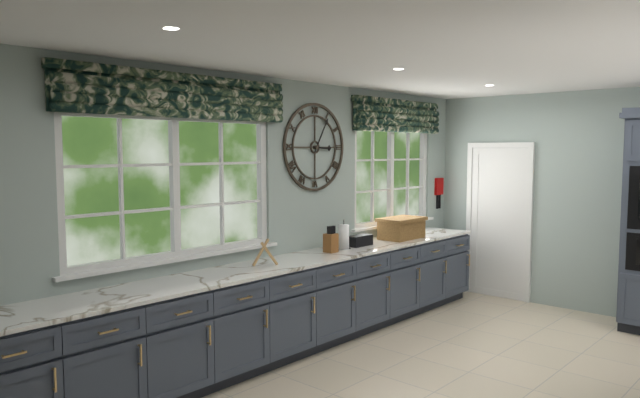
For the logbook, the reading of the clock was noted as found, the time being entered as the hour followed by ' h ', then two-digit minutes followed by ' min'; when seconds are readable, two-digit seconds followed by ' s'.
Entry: 3 h 05 min
